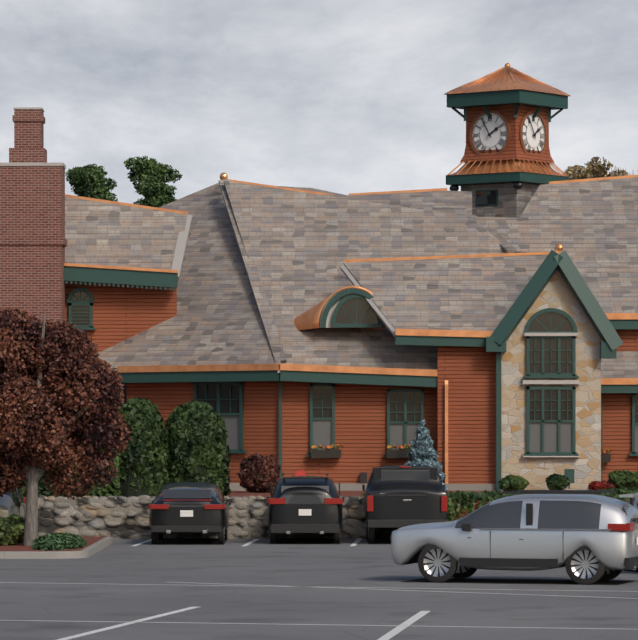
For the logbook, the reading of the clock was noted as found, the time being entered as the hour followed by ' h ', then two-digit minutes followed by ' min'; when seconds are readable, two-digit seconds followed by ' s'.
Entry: 1 h 55 min
